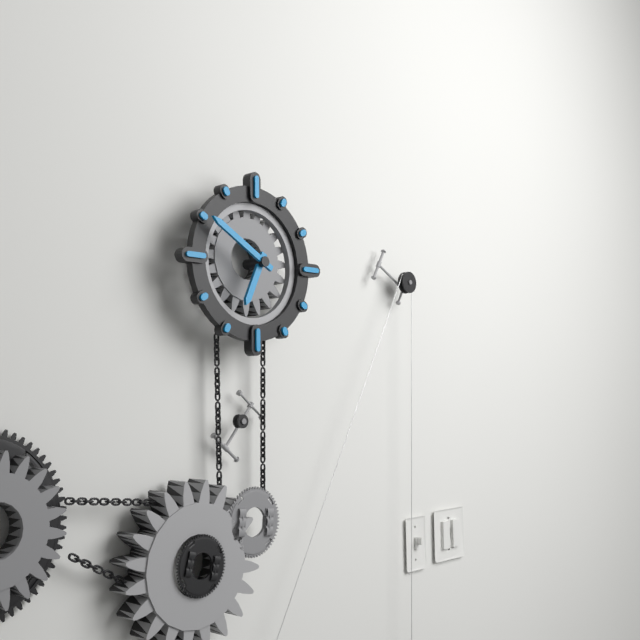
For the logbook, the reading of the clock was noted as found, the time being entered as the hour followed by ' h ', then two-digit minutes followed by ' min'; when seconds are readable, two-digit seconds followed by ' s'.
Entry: 6 h 50 min
